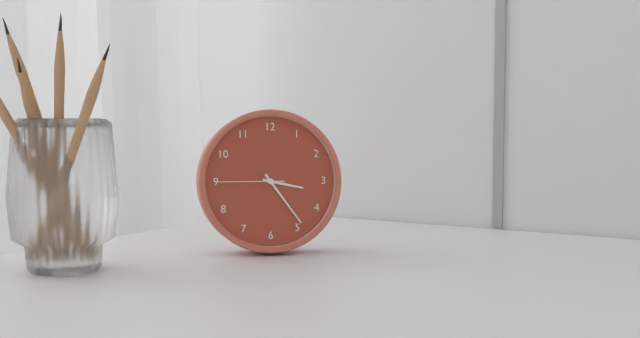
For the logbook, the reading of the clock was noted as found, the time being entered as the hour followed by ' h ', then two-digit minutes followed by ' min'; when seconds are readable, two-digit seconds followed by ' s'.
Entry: 3 h 24 min 45 s
